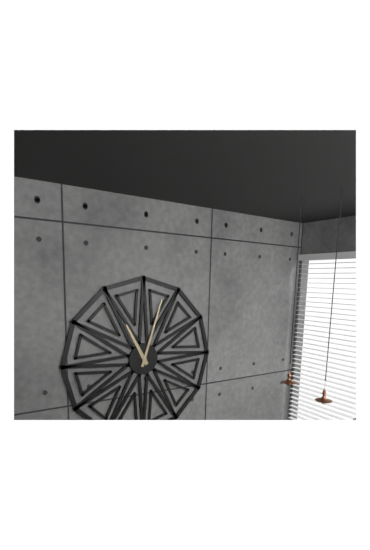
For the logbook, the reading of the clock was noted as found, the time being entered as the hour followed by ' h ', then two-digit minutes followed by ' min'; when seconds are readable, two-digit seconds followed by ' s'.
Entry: 11 h 03 min
